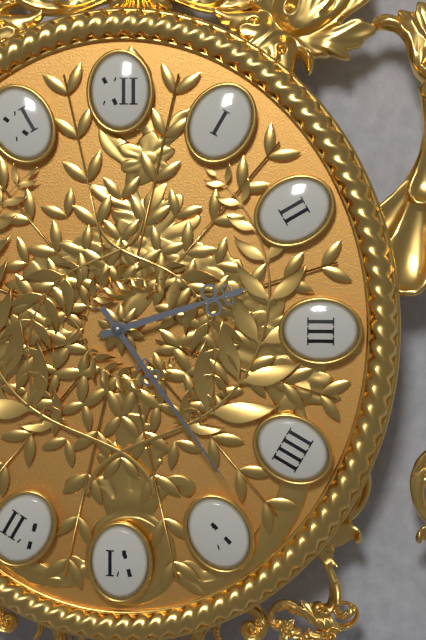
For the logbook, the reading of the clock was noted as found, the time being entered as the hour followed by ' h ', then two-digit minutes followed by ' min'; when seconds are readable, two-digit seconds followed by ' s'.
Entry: 2 h 24 min
